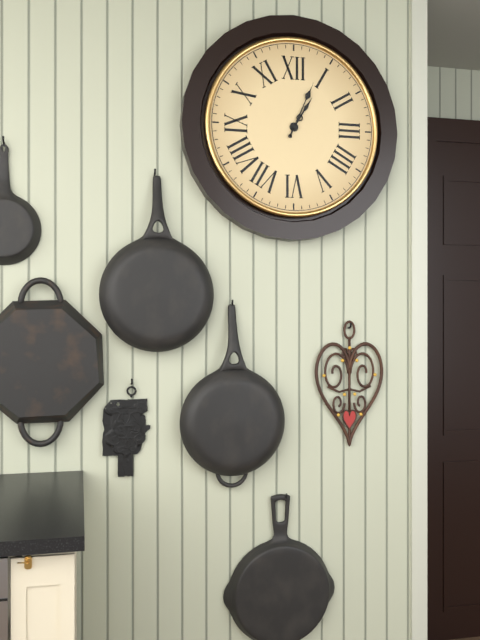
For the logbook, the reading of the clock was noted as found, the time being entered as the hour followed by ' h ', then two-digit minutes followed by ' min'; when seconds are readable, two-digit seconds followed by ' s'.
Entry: 1 h 04 min
